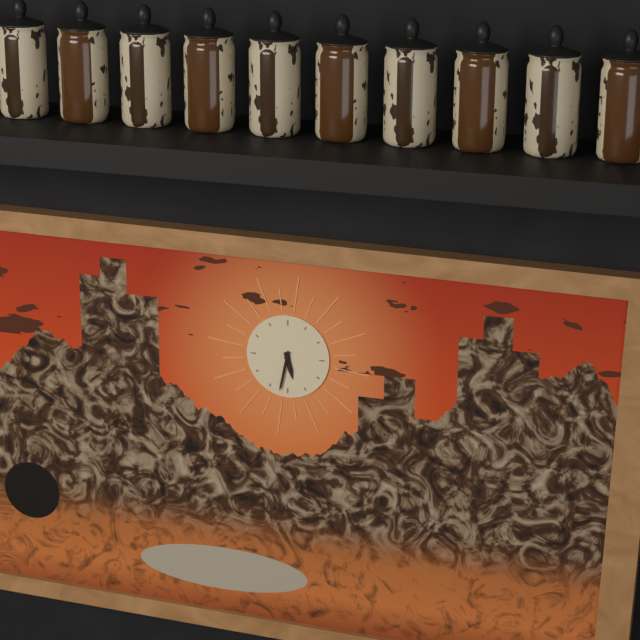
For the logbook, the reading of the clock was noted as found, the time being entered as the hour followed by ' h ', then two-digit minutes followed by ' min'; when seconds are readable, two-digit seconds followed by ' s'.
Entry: 5 h 32 min
